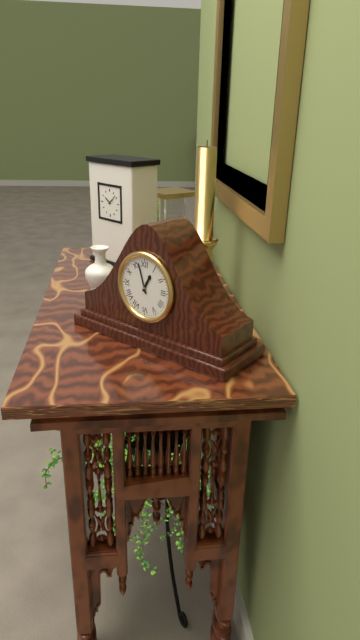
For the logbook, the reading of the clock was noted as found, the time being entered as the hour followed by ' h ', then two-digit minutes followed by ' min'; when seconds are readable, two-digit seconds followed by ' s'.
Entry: 12 h 57 min
